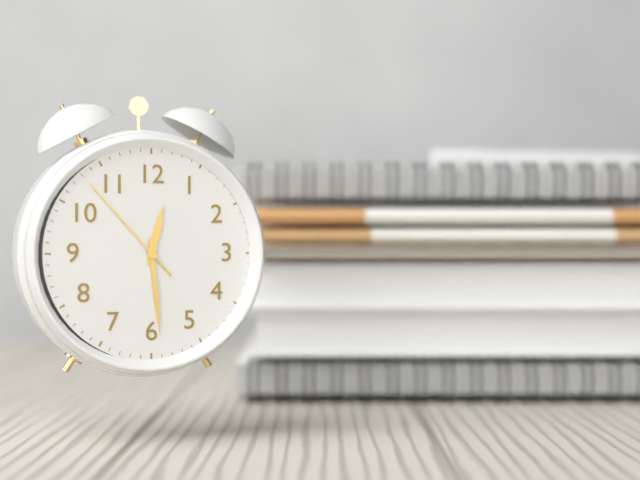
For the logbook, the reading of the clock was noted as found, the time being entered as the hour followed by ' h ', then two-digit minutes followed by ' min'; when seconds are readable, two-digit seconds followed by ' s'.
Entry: 12 h 29 min 53 s
